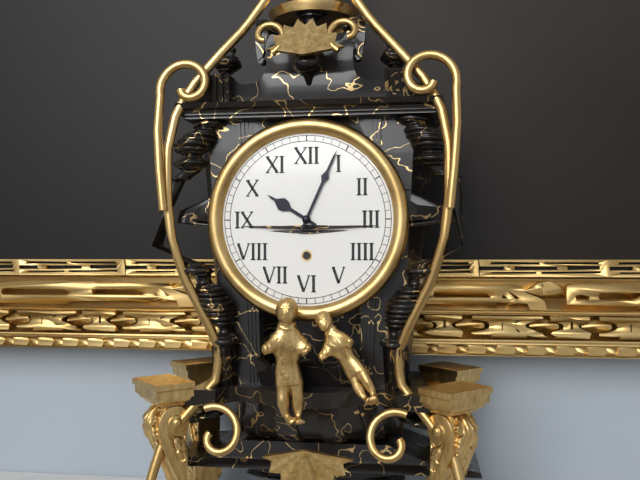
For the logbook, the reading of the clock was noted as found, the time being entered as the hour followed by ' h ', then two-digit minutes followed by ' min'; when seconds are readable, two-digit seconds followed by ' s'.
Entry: 10 h 04 min
